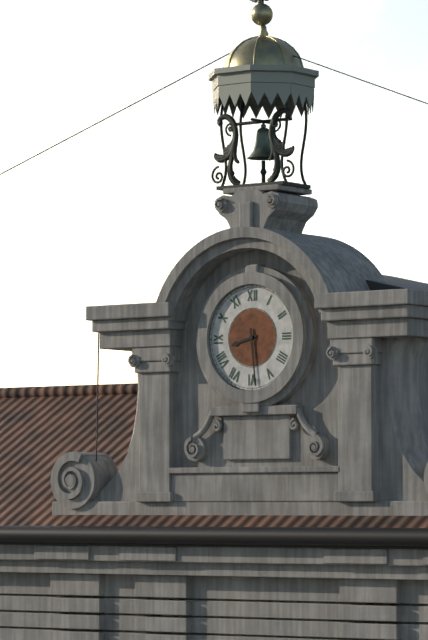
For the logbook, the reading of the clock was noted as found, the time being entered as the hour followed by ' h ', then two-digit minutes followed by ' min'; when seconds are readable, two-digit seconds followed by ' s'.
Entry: 8 h 29 min
